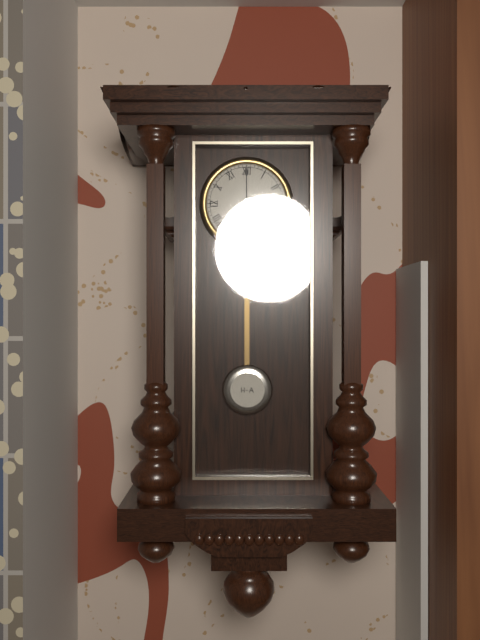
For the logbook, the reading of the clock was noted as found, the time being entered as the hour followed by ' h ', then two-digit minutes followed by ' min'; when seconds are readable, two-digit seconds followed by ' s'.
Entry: 6 h 00 min
